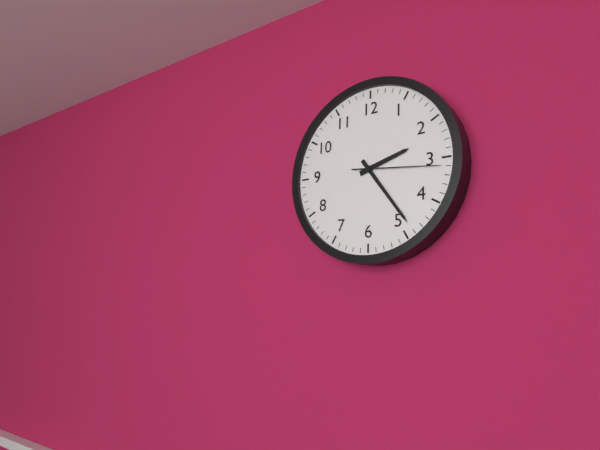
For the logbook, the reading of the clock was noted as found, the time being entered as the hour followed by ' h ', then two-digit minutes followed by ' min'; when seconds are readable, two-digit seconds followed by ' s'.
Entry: 2 h 24 min 16 s
